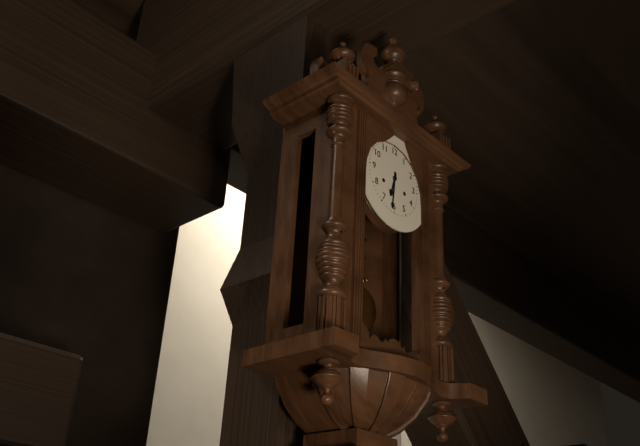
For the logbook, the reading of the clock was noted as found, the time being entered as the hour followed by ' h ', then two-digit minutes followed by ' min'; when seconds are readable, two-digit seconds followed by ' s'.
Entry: 6 h 31 min
